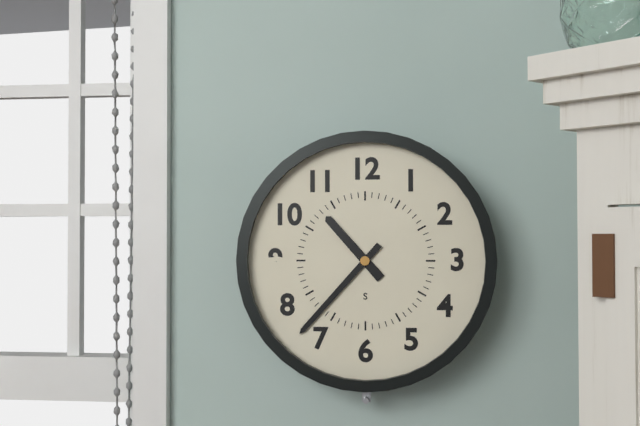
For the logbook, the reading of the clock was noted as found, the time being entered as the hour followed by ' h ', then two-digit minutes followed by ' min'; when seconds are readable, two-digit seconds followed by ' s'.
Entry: 10 h 37 min
